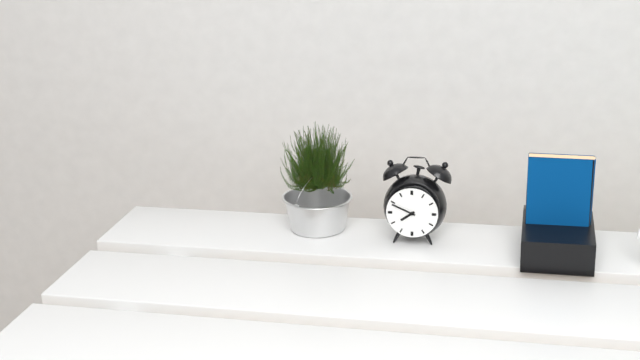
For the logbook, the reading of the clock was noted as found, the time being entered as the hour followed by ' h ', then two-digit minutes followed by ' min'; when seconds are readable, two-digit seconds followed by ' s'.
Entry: 7 h 49 min
